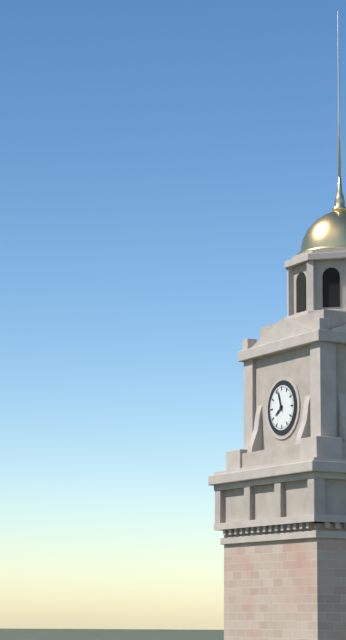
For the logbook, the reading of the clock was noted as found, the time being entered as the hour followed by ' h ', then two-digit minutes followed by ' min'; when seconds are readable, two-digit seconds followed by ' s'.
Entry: 7 h 57 min
